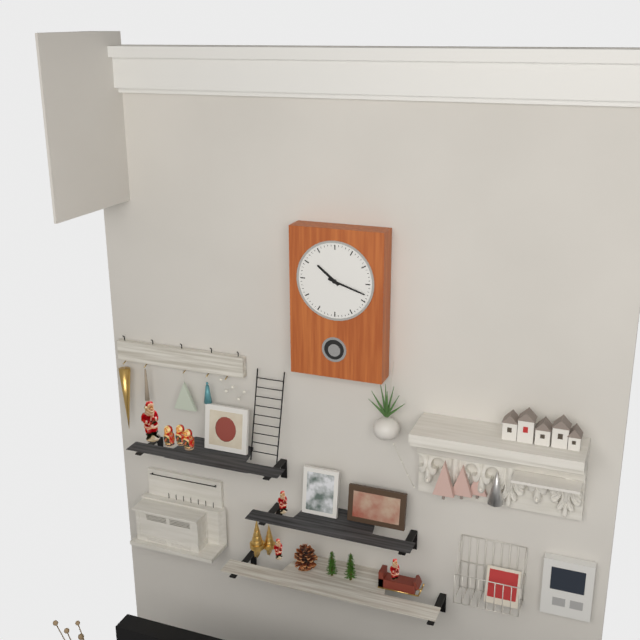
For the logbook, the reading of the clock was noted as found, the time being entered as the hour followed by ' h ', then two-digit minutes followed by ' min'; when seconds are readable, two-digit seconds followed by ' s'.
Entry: 10 h 18 min
